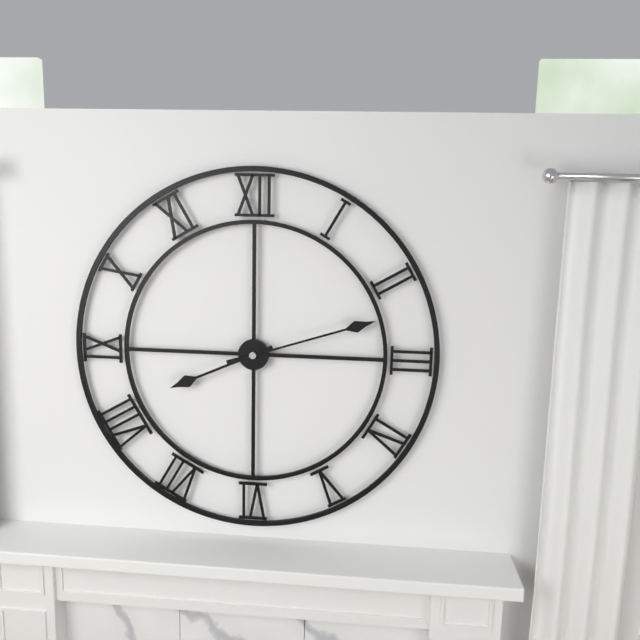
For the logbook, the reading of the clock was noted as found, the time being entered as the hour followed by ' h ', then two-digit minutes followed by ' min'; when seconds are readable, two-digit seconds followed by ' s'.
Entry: 8 h 12 min
